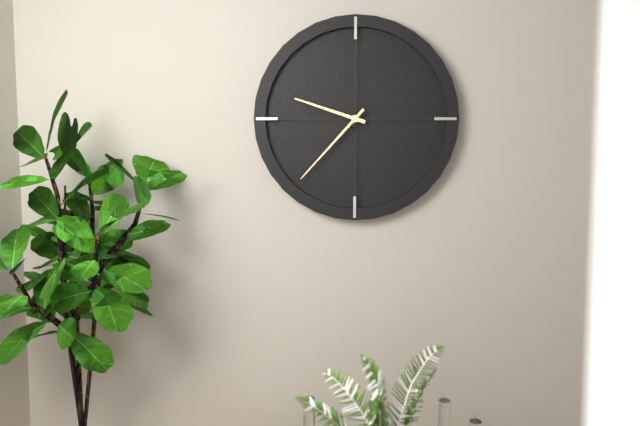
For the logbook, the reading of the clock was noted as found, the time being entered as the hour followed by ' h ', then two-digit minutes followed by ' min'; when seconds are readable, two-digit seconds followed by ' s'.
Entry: 9 h 37 min
